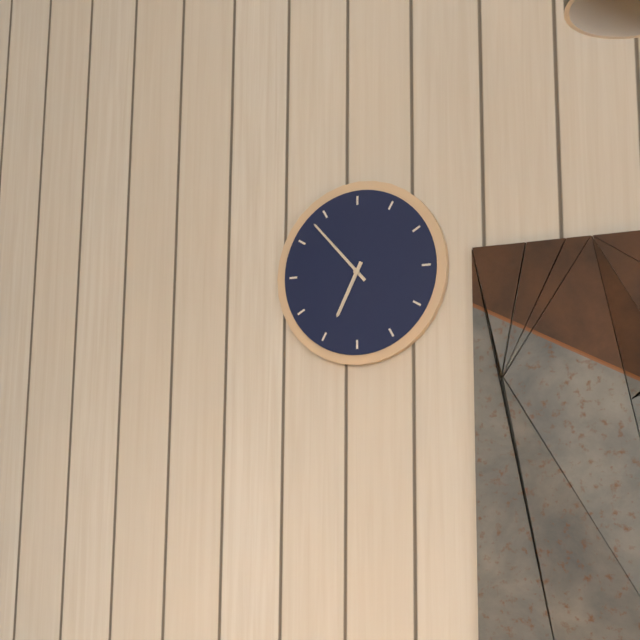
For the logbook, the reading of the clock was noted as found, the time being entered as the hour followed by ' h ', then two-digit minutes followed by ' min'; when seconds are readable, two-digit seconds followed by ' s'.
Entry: 6 h 53 min
